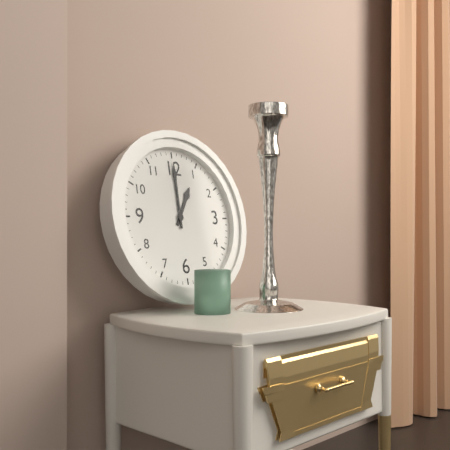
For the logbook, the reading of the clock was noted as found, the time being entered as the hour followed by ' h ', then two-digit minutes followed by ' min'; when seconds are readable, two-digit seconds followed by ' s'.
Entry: 1 h 00 min
